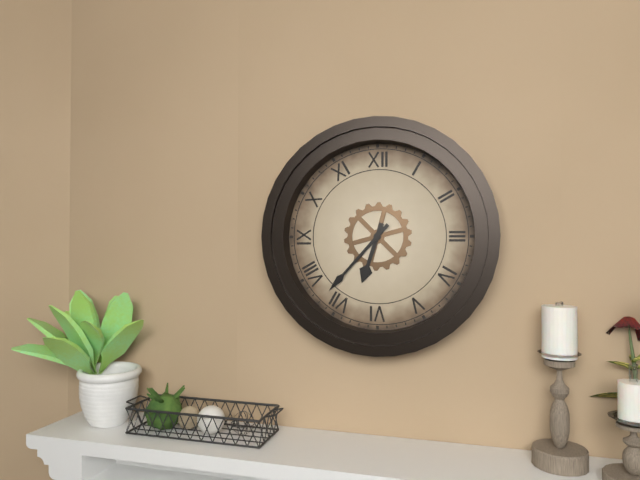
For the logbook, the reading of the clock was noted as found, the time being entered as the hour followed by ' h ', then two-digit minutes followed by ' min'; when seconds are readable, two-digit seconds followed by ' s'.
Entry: 6 h 37 min
